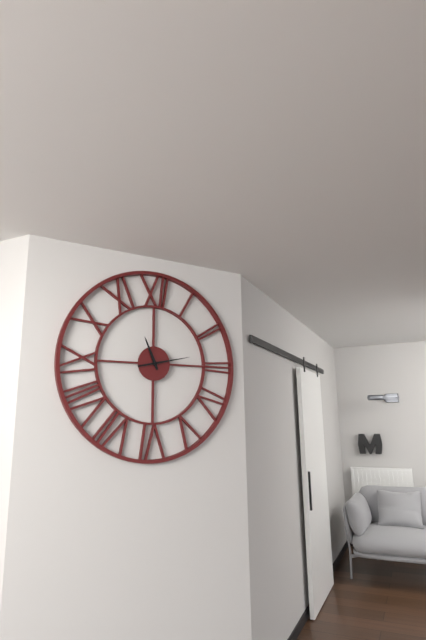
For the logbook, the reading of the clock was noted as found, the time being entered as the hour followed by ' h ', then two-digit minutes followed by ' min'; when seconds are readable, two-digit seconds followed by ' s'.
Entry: 11 h 13 min
